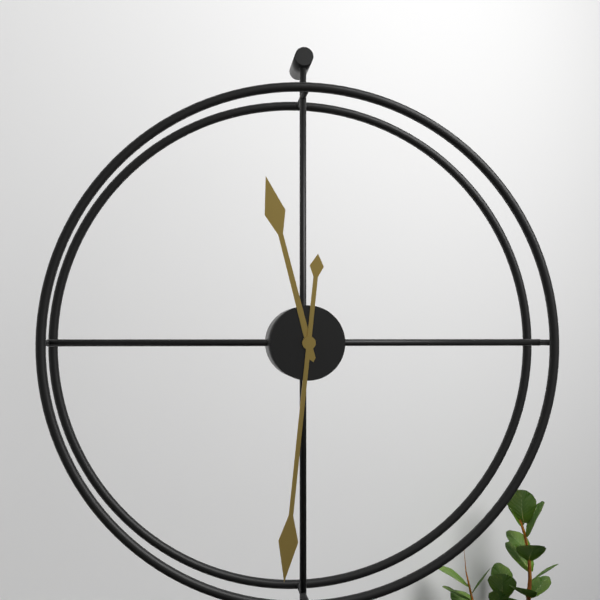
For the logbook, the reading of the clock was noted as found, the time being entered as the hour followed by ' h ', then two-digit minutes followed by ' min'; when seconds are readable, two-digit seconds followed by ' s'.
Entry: 11 h 31 min
